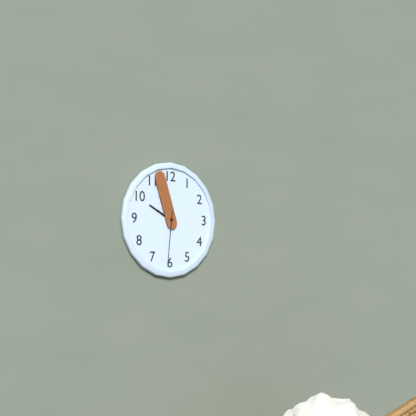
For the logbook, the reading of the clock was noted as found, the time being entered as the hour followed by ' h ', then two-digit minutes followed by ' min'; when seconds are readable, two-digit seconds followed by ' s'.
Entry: 9 h 57 min 31 s
